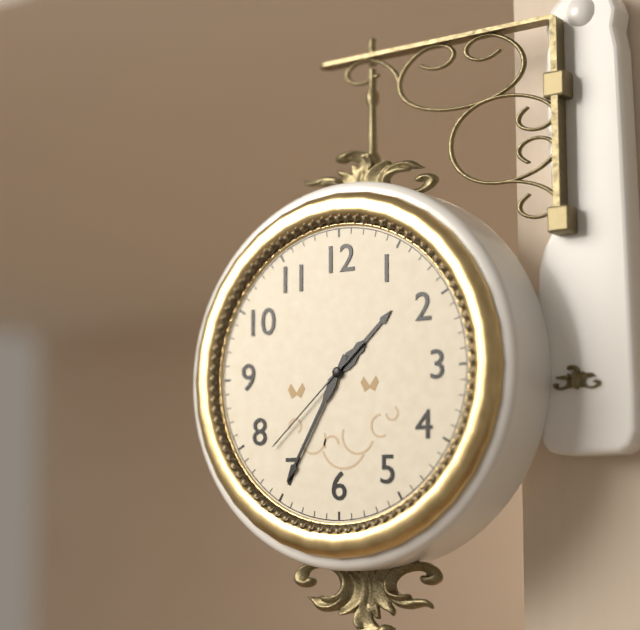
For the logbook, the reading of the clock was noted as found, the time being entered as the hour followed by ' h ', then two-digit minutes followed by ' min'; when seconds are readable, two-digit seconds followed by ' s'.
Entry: 1 h 35 min 38 s
